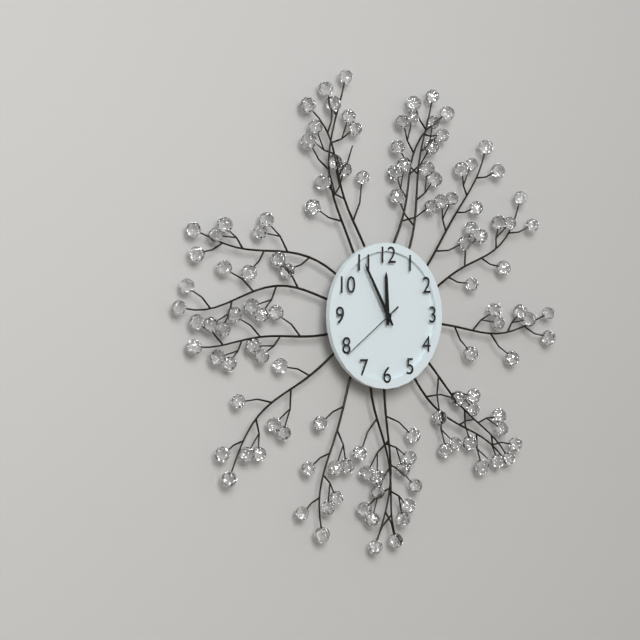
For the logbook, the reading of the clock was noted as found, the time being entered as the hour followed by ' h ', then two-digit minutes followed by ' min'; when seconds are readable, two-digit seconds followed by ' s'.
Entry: 11 h 55 min 39 s
